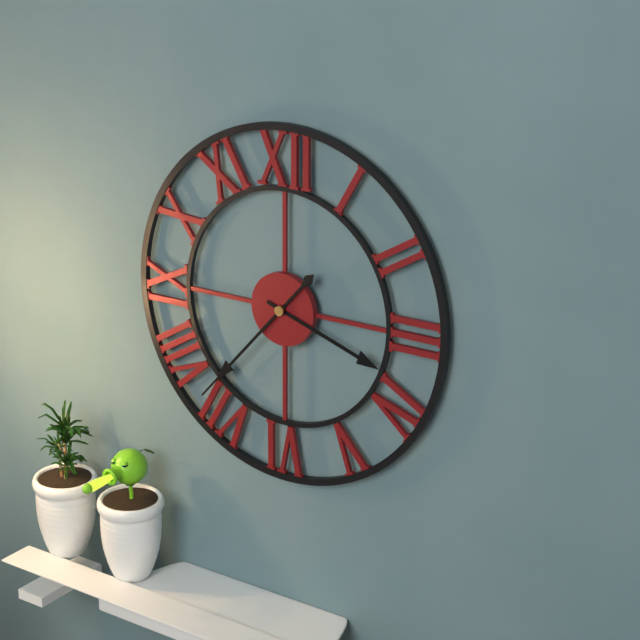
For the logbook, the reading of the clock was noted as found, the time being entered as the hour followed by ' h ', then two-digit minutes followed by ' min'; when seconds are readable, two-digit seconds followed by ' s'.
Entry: 3 h 37 min
